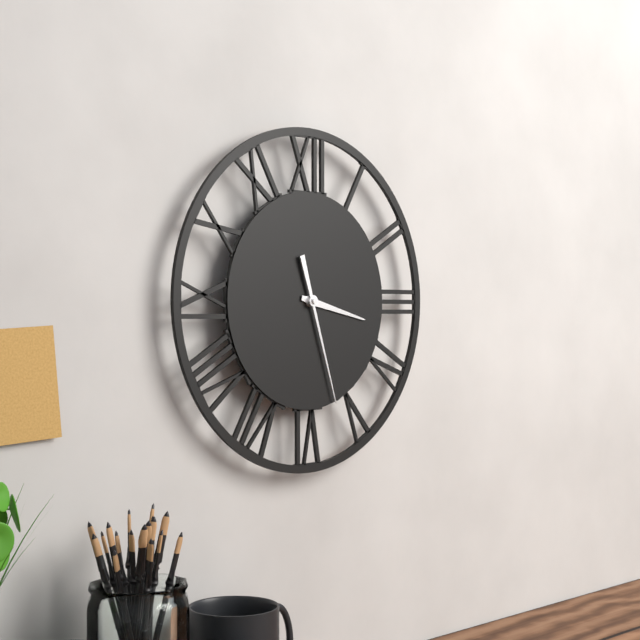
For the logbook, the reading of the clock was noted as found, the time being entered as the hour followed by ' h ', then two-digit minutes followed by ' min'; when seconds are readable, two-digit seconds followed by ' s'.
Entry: 3 h 27 min
